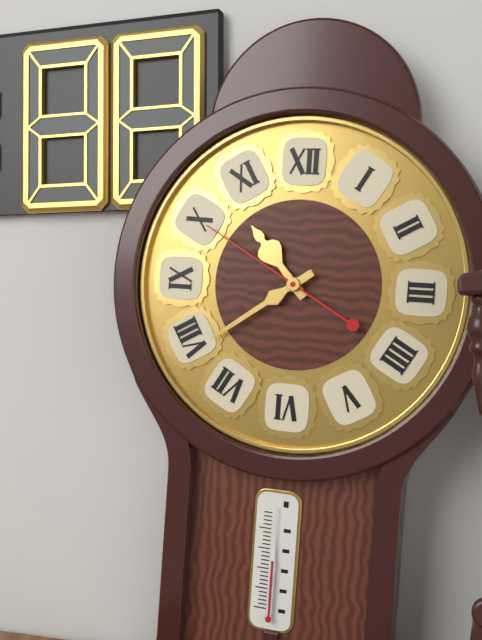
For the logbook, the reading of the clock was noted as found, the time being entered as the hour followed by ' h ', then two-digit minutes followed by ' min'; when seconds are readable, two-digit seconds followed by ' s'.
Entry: 10 h 39 min 50 s
